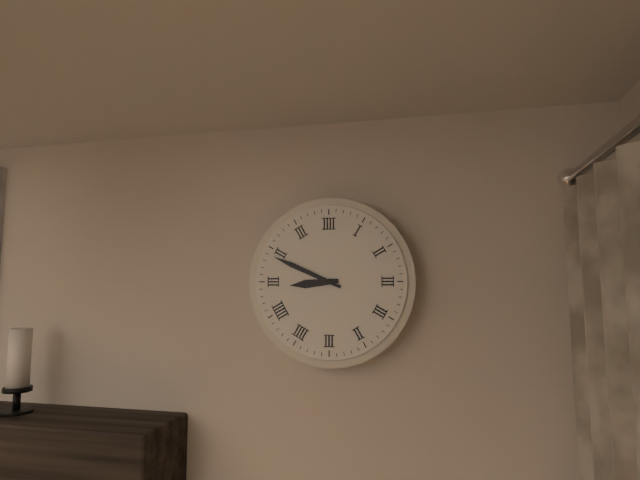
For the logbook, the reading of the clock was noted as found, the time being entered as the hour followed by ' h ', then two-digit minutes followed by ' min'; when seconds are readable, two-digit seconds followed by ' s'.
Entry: 8 h 49 min
